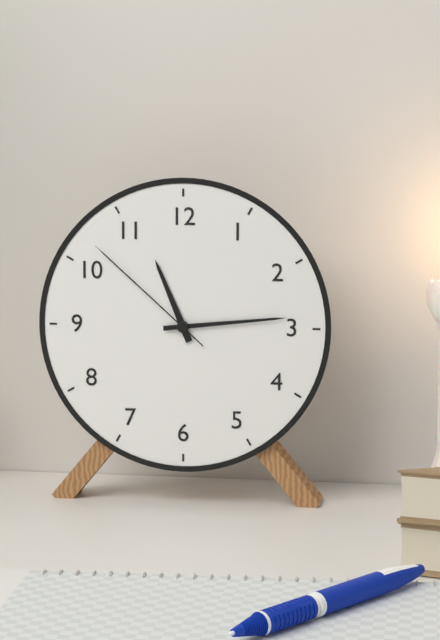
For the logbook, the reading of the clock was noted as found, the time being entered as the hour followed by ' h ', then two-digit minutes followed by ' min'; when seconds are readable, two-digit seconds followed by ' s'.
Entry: 11 h 14 min 52 s
